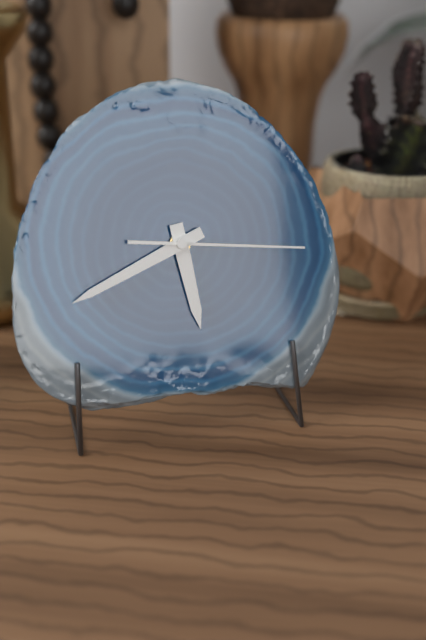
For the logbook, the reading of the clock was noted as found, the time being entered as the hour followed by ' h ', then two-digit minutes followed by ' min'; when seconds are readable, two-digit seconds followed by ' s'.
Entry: 5 h 41 min 16 s
